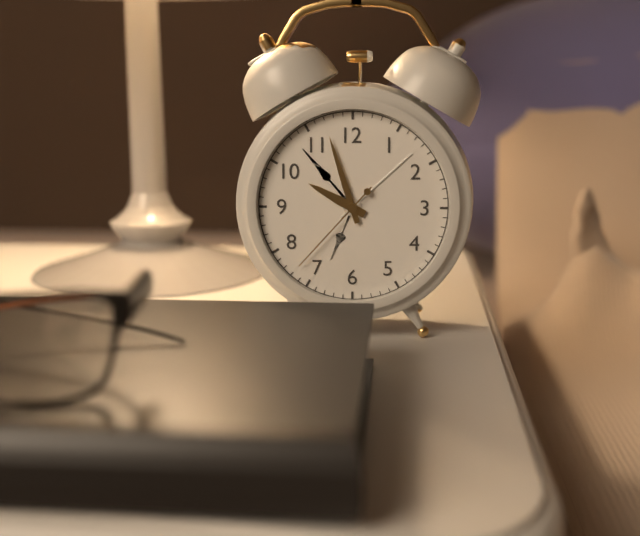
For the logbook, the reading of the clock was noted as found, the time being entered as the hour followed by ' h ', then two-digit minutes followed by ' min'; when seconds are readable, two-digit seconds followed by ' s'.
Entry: 9 h 57 min 37 s
